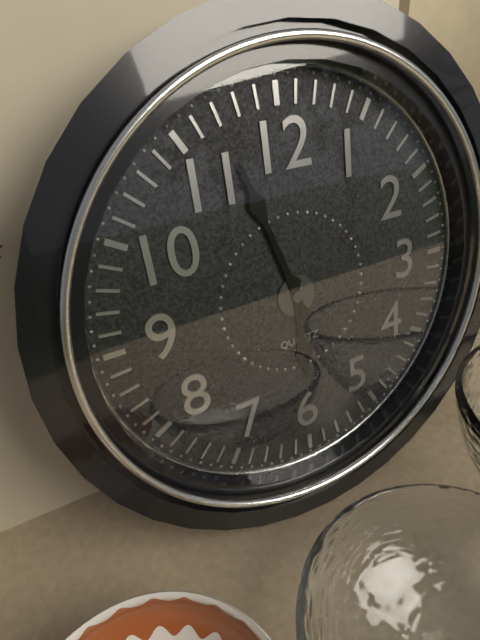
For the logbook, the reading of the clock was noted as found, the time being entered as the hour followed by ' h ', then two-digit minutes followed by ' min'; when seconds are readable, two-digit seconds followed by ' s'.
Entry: 5 h 57 min
